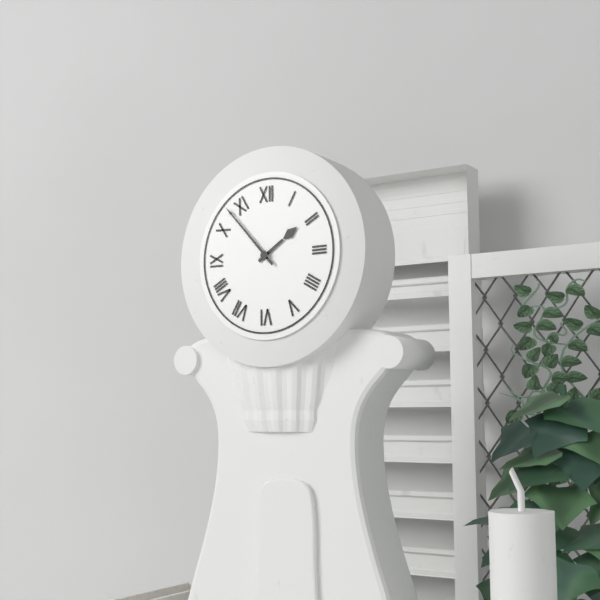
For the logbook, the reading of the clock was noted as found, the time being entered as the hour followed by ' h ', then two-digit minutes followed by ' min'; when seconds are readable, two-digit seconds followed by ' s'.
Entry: 1 h 53 min
